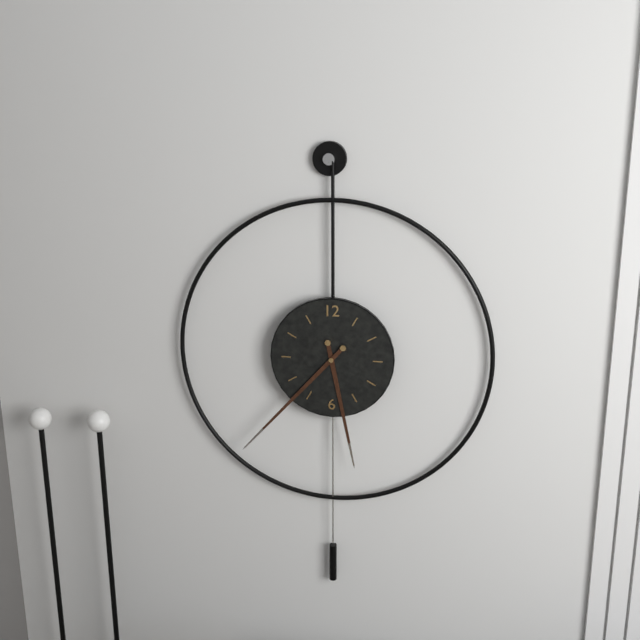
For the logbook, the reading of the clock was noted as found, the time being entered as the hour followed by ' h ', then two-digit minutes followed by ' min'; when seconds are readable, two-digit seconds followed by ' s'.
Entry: 5 h 37 min
